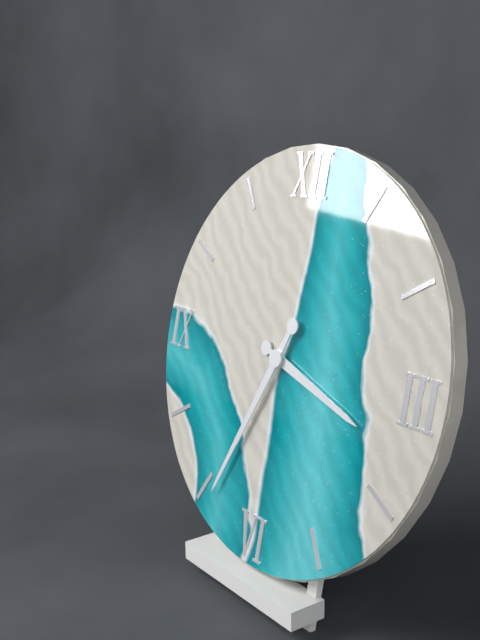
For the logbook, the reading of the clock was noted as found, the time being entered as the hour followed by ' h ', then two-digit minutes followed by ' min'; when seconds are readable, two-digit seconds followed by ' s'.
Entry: 3 h 34 min
